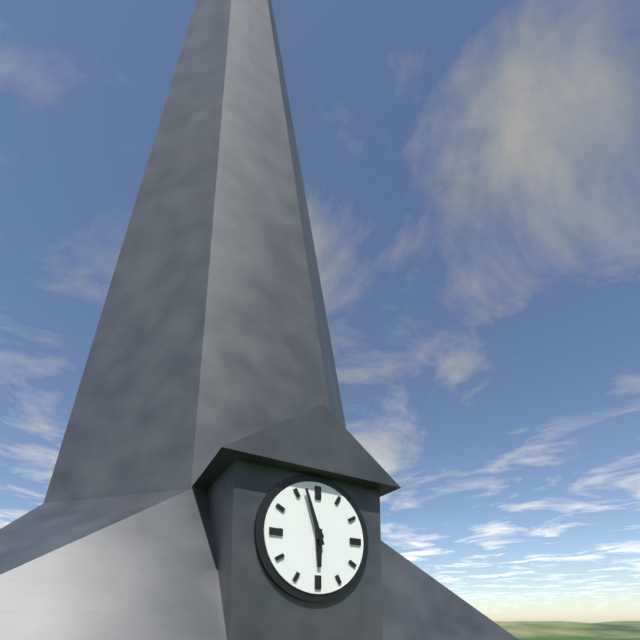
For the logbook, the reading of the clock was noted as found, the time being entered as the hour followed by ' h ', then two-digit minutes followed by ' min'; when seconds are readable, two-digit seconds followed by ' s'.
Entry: 5 h 57 min
